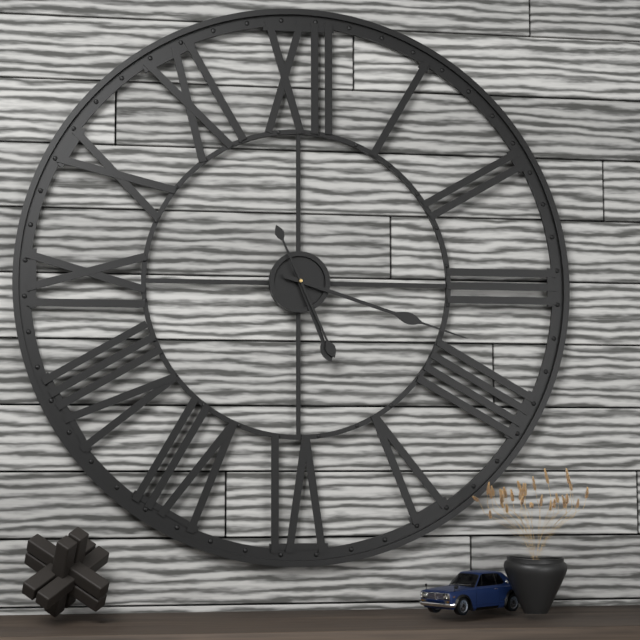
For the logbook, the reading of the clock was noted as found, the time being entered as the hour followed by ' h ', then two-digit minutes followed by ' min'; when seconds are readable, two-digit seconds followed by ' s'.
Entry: 5 h 18 min 26 s
